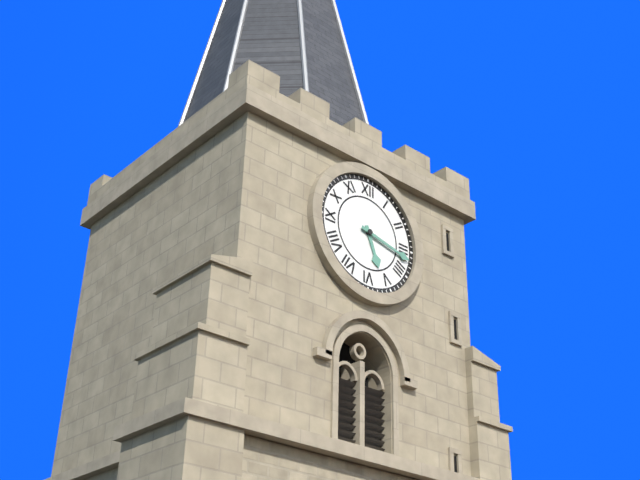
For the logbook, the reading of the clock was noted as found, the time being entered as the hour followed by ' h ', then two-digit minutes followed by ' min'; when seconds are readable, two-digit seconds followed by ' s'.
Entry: 5 h 17 min
